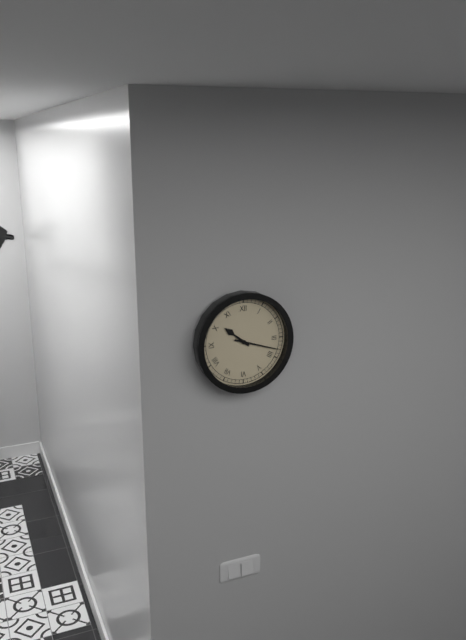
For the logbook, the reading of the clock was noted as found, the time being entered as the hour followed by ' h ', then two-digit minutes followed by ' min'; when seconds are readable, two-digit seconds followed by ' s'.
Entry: 10 h 18 min
